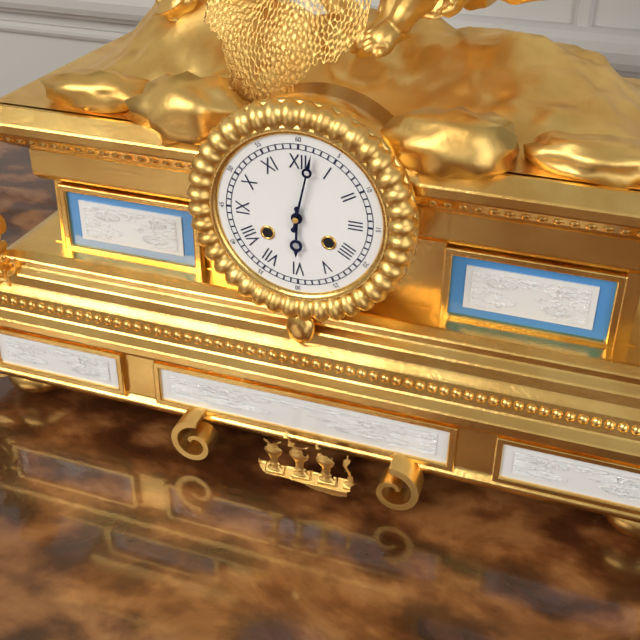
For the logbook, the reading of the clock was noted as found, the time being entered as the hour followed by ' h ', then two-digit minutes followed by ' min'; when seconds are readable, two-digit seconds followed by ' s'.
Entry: 6 h 02 min
